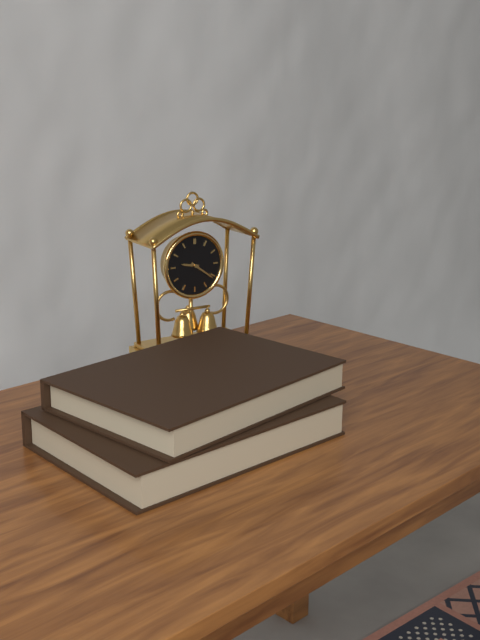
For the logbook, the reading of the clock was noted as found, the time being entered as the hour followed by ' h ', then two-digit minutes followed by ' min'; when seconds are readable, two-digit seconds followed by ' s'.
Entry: 9 h 21 min
